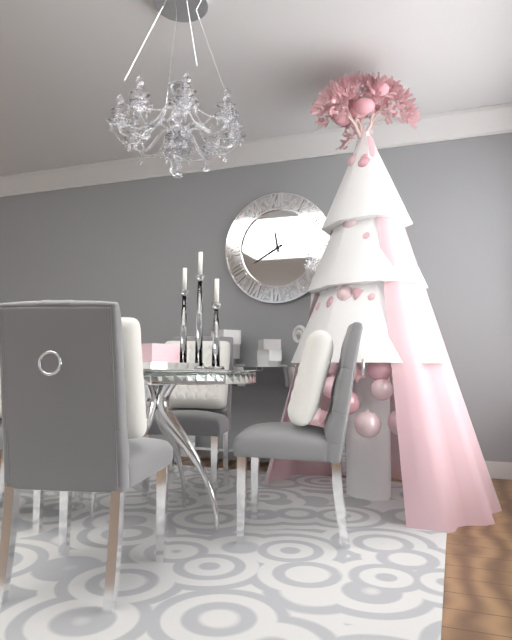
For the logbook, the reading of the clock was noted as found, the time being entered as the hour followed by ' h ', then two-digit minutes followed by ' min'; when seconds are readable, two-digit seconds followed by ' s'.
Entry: 11 h 40 min
